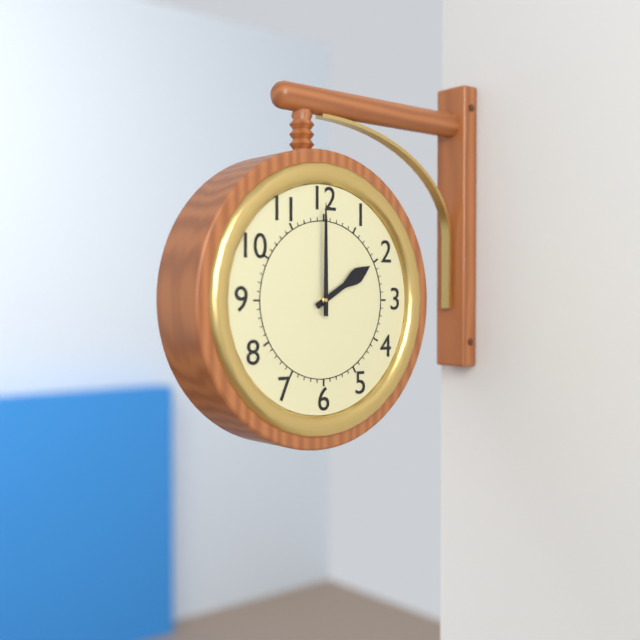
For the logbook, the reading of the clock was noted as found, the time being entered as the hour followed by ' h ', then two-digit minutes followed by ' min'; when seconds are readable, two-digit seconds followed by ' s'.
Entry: 2 h 00 min
